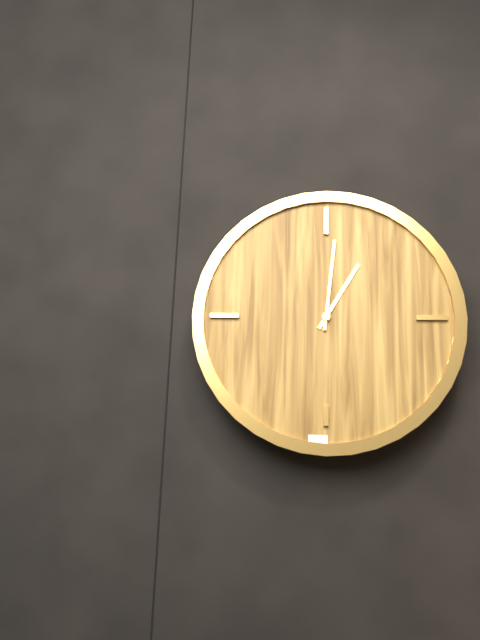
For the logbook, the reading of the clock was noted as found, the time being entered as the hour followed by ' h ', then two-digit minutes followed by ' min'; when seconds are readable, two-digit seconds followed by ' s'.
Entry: 1 h 01 min
